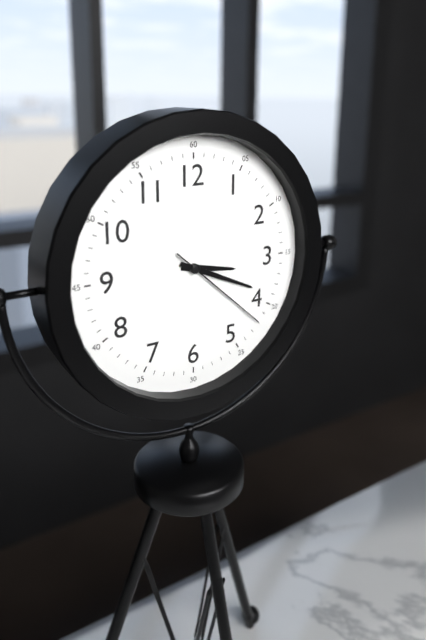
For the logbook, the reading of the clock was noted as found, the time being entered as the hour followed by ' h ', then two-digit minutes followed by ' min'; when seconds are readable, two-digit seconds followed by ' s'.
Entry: 3 h 19 min 22 s
